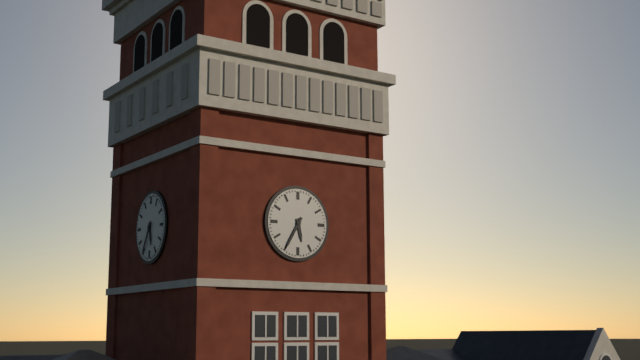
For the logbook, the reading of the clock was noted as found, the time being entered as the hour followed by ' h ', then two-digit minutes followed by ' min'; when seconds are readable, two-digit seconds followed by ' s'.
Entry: 5 h 35 min
